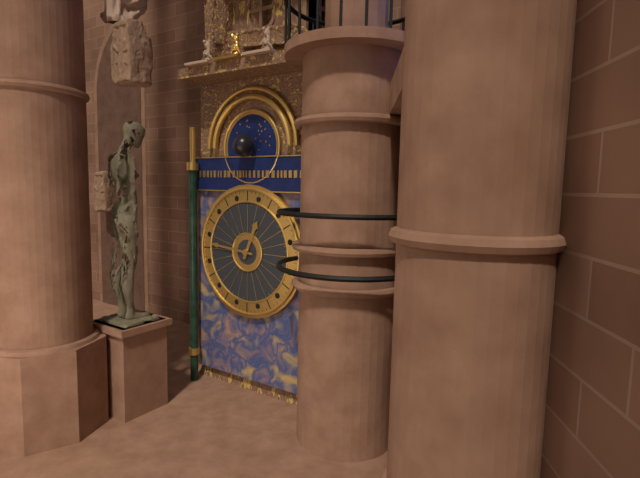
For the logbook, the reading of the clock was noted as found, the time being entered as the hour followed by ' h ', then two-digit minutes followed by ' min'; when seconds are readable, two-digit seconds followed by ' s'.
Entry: 12 h 46 min
